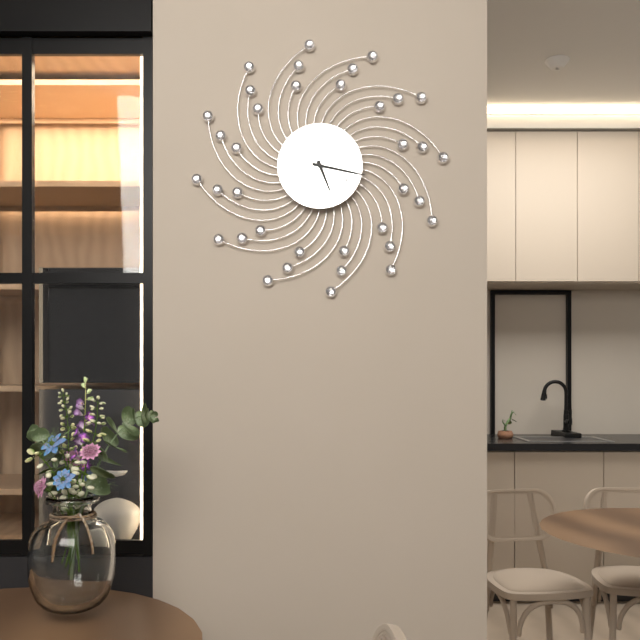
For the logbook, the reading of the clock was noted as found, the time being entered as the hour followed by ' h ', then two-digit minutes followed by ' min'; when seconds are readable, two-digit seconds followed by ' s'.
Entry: 5 h 17 min
